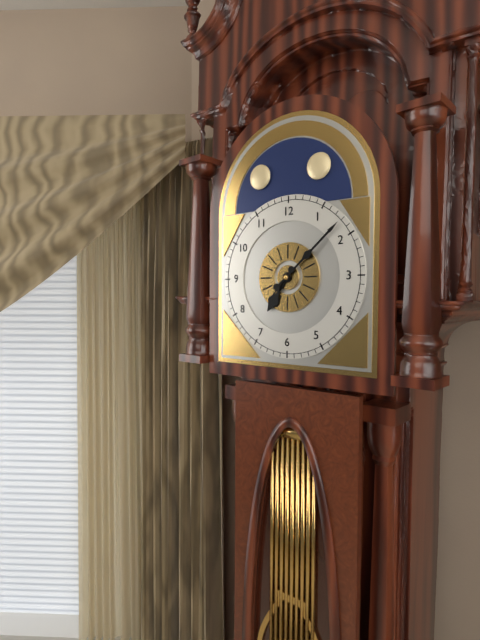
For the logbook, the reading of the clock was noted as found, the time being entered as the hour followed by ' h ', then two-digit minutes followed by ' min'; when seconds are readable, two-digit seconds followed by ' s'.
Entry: 7 h 08 min
